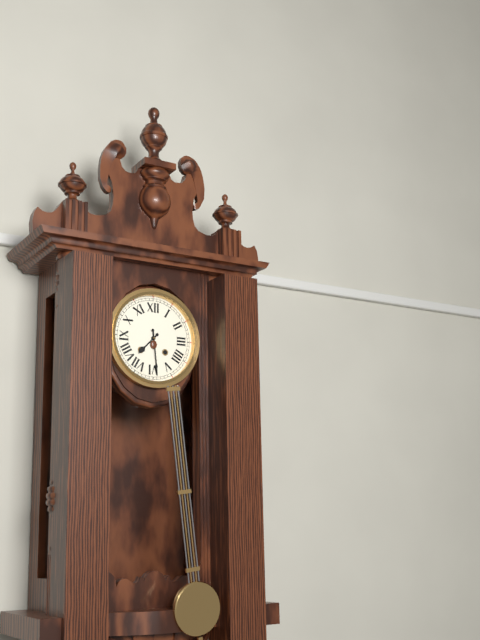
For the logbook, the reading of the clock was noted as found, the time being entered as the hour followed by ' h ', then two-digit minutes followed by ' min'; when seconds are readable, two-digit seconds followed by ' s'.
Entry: 7 h 29 min
